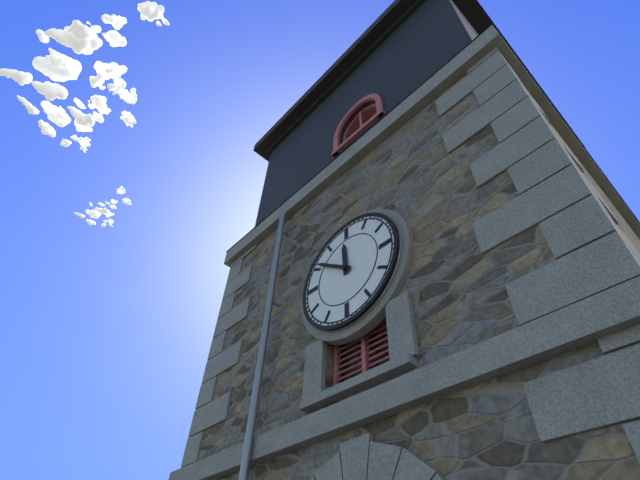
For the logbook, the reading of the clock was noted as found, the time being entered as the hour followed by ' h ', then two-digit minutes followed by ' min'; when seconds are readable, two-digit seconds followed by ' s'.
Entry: 11 h 51 min
